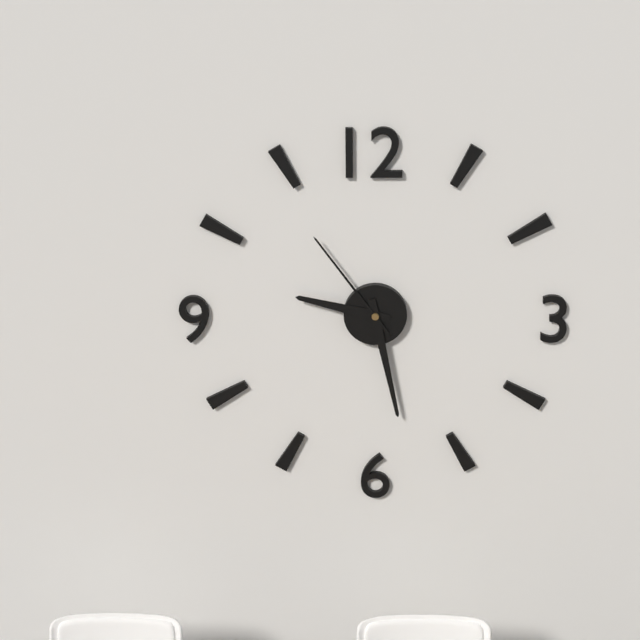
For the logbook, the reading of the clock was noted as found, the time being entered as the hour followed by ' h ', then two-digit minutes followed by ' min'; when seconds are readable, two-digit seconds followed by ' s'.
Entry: 9 h 28 min 54 s
